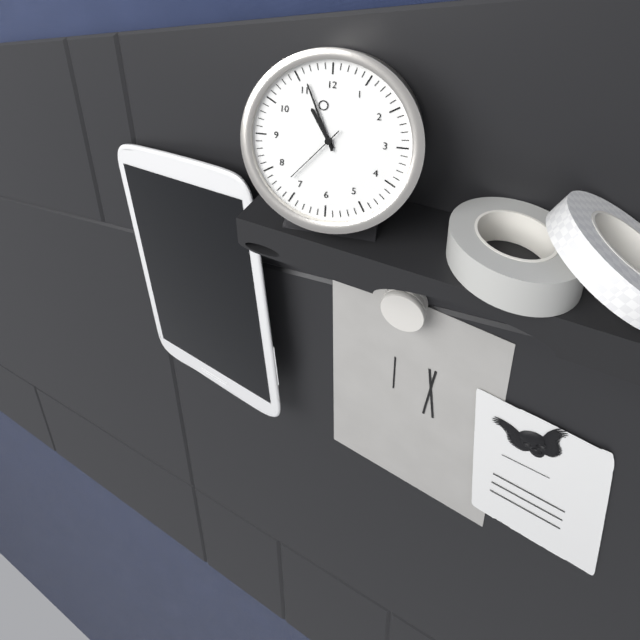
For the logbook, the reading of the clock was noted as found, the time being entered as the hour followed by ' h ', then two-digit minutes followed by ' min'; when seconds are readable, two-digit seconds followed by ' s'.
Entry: 10 h 56 min 37 s
